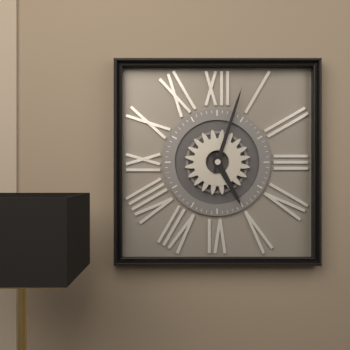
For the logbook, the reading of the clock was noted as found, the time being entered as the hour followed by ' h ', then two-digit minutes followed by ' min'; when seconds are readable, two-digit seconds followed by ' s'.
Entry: 5 h 03 min
